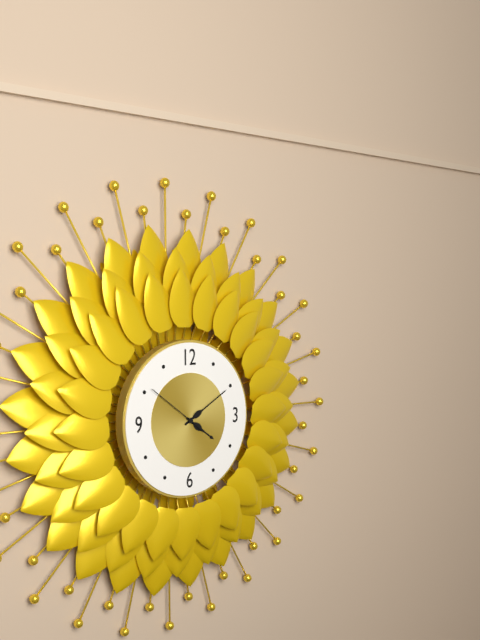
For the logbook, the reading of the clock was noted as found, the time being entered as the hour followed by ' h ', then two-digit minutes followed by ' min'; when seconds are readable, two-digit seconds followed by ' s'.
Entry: 4 h 10 min 51 s
